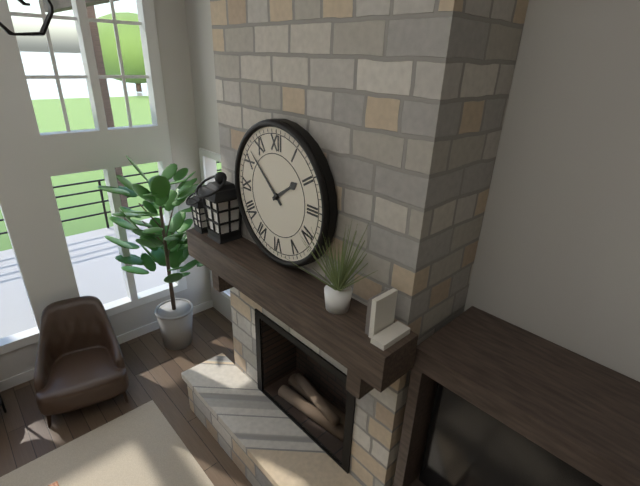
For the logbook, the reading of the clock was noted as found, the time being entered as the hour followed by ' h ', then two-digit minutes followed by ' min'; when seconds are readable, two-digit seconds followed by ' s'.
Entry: 1 h 52 min
